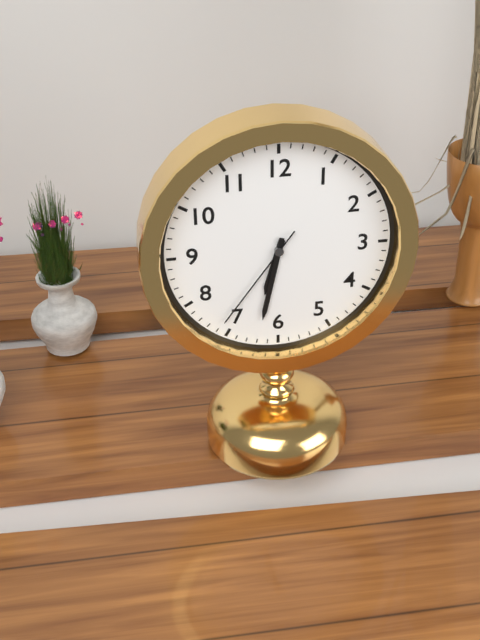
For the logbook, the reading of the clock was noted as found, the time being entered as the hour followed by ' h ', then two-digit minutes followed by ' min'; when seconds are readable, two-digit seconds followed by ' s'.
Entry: 6 h 32 min 36 s
